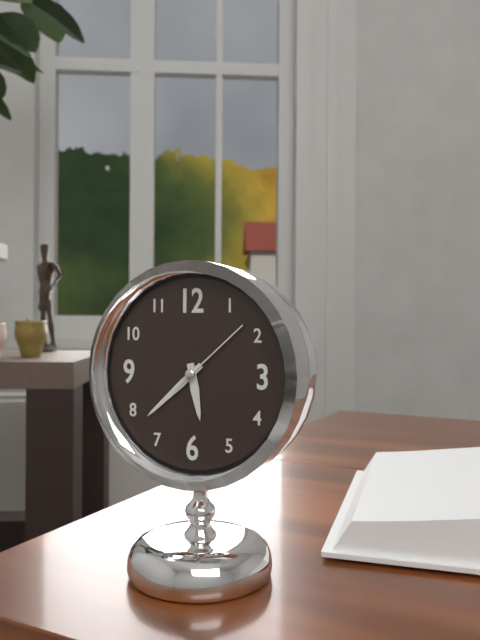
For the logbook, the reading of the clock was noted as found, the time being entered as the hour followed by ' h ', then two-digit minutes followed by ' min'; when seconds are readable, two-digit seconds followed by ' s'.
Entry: 5 h 38 min 08 s
